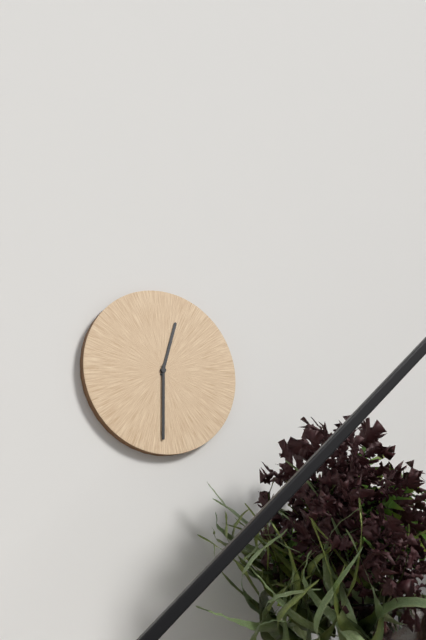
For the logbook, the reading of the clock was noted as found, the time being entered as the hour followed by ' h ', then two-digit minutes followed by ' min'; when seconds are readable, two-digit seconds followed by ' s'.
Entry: 12 h 30 min
